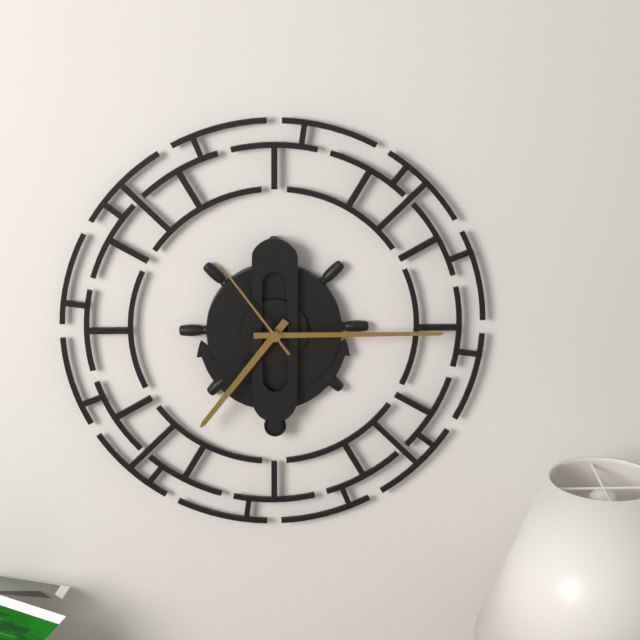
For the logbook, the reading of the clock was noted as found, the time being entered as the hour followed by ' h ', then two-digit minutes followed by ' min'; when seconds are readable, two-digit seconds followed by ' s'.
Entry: 7 h 15 min 54 s
